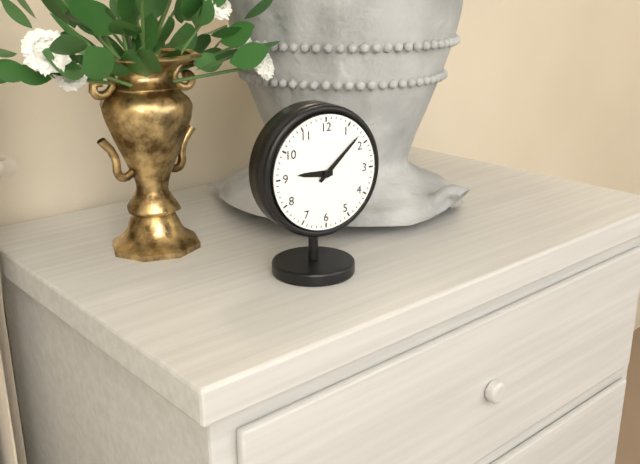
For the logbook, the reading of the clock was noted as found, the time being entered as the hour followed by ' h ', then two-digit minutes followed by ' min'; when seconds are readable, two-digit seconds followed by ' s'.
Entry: 9 h 08 min
